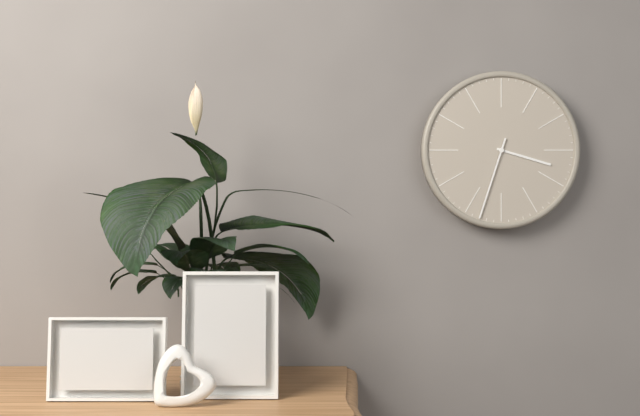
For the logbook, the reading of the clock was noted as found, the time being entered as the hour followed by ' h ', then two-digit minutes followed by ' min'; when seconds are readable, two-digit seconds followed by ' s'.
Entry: 3 h 33 min
